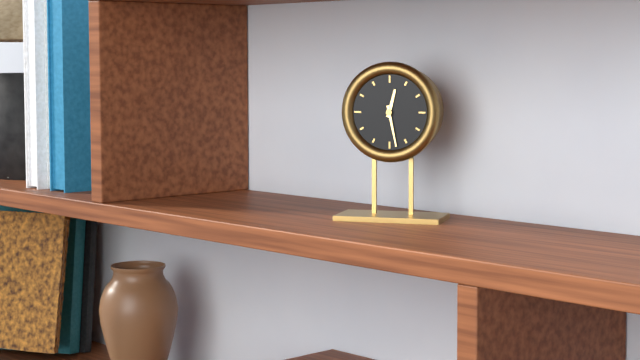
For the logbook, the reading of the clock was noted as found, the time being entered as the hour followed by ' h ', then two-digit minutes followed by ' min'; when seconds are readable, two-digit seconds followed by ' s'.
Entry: 12 h 28 min
